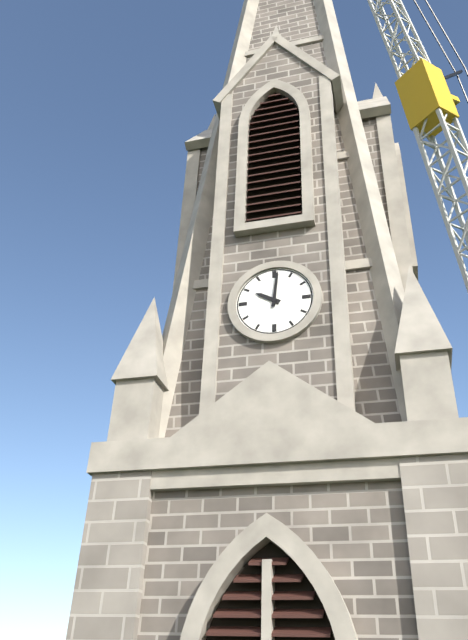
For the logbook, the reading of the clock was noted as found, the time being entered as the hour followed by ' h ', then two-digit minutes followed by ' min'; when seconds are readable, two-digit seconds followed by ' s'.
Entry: 10 h 01 min
